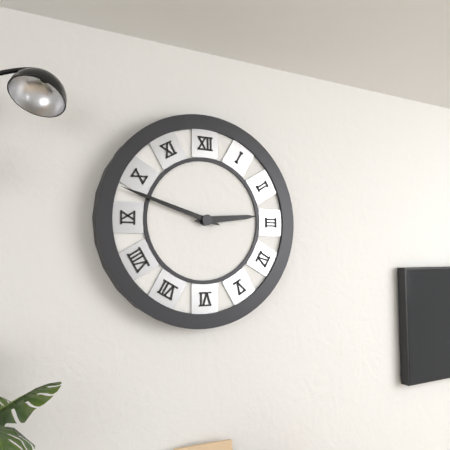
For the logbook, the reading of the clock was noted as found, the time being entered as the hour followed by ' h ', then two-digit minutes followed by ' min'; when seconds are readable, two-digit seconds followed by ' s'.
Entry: 2 h 48 min
